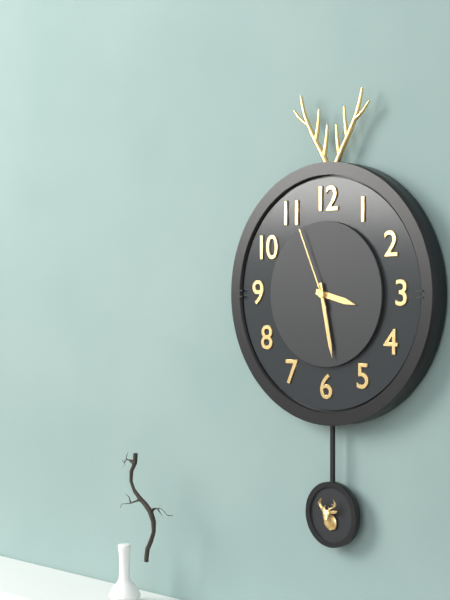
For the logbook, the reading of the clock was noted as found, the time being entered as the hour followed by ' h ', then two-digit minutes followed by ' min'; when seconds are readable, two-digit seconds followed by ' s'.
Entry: 3 h 28 min 56 s
